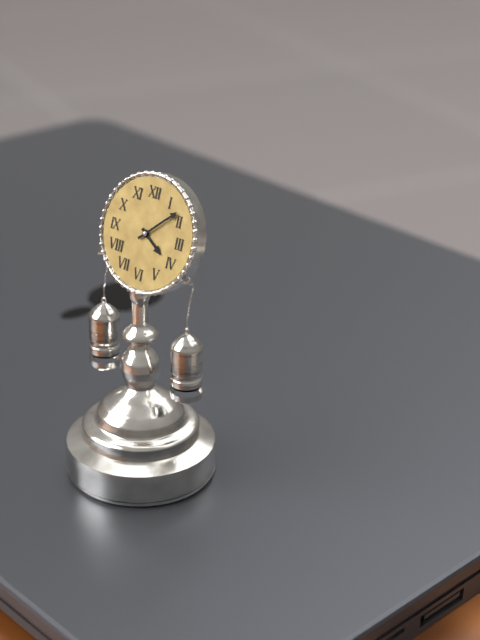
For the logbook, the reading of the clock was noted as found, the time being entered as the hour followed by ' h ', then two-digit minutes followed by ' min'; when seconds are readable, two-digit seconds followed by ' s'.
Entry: 4 h 08 min
